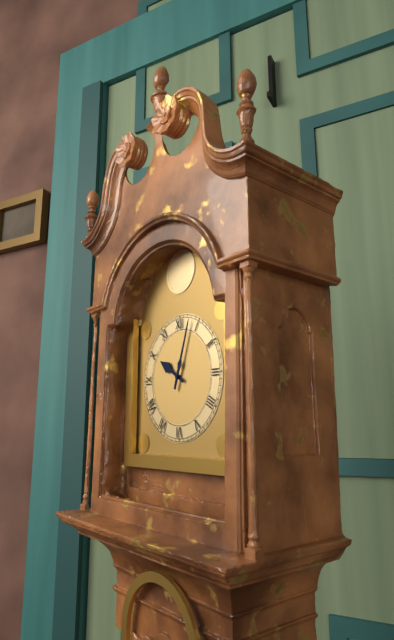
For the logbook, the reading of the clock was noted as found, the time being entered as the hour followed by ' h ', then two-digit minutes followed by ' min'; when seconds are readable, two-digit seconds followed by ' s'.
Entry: 10 h 03 min
